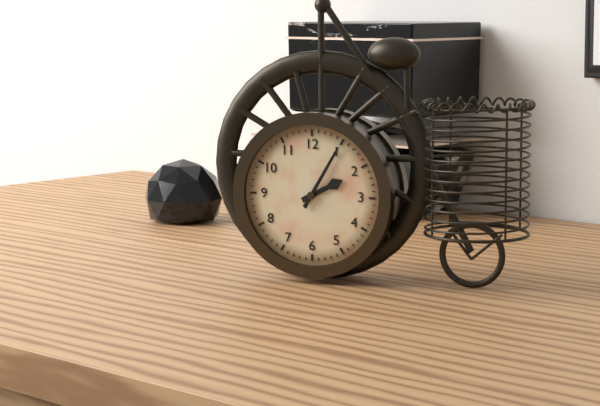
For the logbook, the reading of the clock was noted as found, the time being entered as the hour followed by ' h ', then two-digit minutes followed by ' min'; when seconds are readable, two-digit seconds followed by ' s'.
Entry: 2 h 05 min
